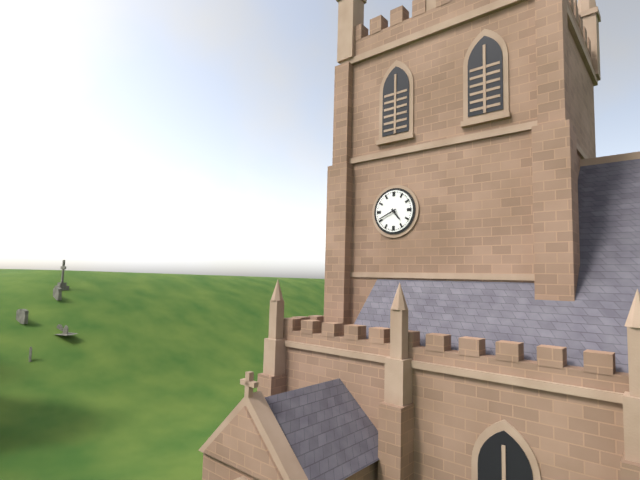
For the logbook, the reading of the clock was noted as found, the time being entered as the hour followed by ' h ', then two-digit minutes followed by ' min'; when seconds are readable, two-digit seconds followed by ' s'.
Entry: 4 h 41 min
